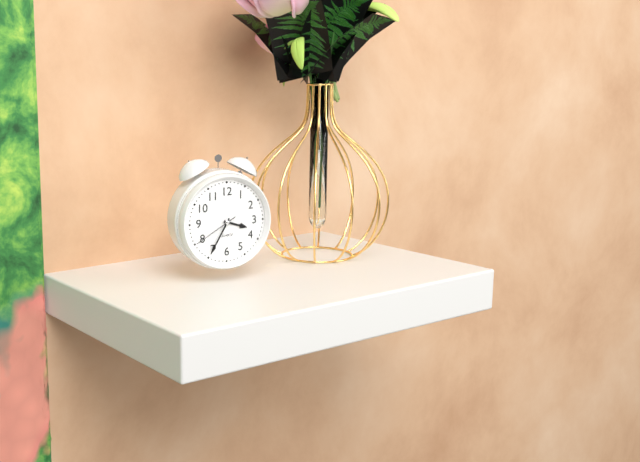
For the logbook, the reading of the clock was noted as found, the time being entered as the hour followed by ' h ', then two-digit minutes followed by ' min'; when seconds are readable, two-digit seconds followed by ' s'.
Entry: 3 h 35 min
